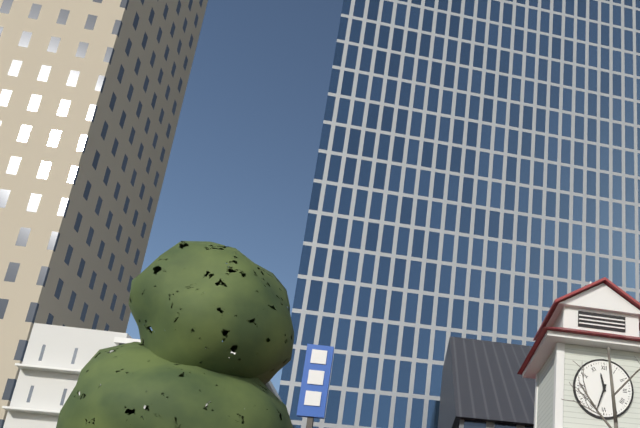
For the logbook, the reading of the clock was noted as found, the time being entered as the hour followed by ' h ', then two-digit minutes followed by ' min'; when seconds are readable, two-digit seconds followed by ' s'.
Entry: 11 h 33 min
